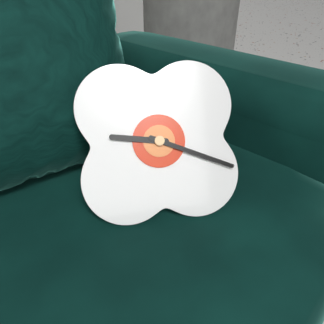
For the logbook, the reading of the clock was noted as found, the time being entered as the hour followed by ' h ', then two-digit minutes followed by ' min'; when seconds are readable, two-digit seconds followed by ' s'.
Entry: 9 h 19 min
